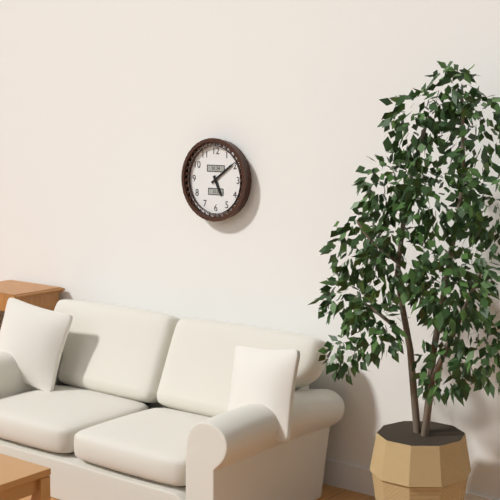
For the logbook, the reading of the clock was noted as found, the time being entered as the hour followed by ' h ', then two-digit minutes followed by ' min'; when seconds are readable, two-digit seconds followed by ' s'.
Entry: 5 h 09 min
